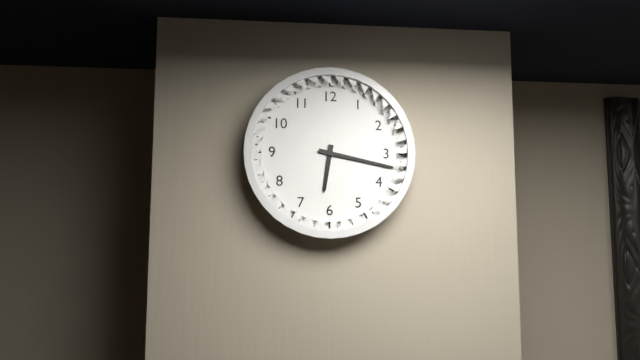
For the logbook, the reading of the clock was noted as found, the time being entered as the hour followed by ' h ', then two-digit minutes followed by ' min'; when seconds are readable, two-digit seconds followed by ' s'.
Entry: 6 h 17 min
